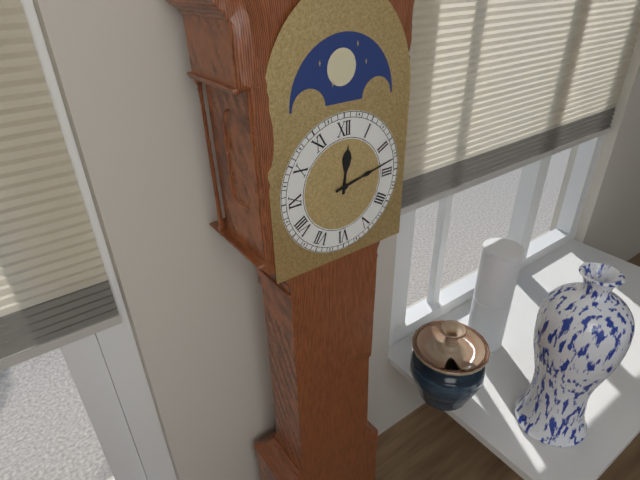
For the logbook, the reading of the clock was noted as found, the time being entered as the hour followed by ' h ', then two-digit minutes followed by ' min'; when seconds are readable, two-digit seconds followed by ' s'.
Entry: 12 h 13 min
